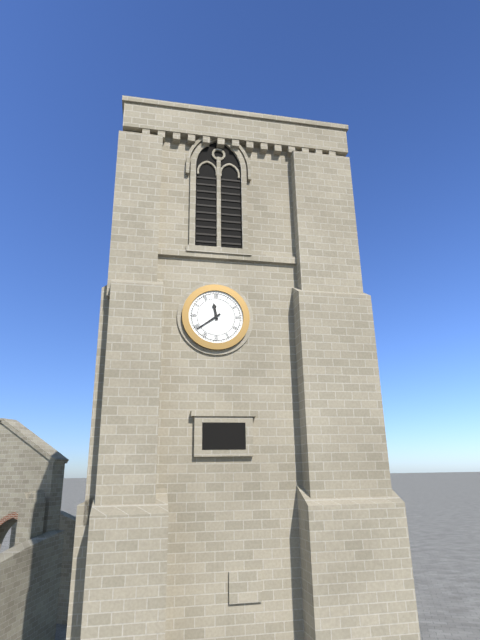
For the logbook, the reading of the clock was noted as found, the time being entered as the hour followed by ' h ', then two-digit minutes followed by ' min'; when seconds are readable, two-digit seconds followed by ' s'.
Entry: 11 h 39 min
